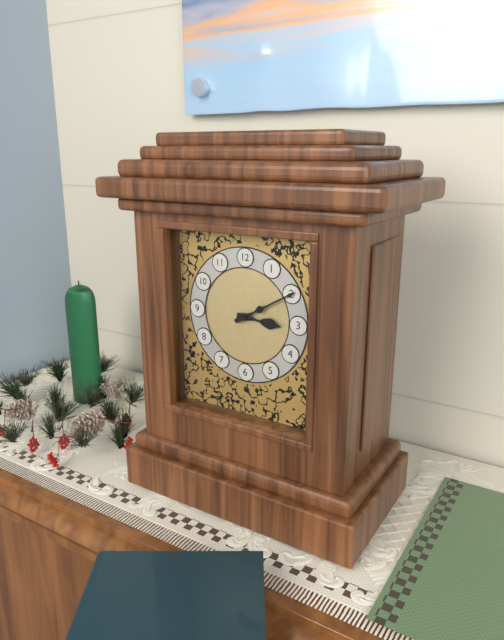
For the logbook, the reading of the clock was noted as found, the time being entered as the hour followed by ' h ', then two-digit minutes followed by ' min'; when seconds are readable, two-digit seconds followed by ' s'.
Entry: 3 h 10 min
